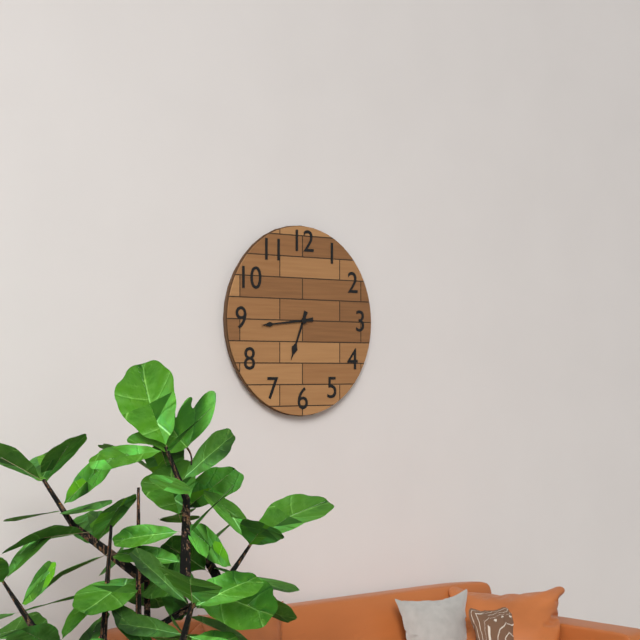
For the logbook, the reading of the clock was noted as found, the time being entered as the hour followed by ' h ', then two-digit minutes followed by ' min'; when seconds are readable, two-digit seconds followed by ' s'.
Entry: 6 h 44 min
